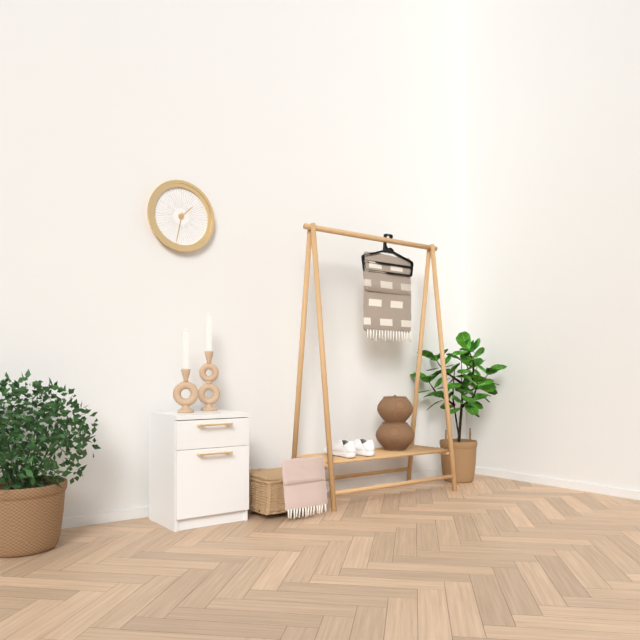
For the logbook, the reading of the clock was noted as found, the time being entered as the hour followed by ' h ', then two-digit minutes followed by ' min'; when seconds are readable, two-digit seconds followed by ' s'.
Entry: 1 h 32 min
